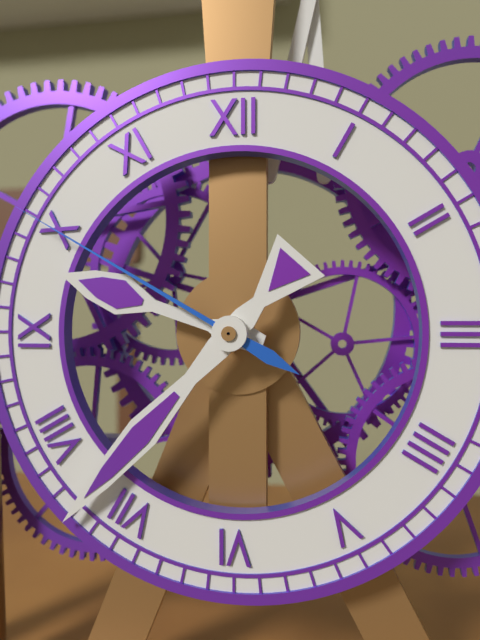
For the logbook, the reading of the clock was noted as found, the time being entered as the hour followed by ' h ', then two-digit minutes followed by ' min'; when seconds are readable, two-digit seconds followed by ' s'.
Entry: 9 h 37 min 50 s
